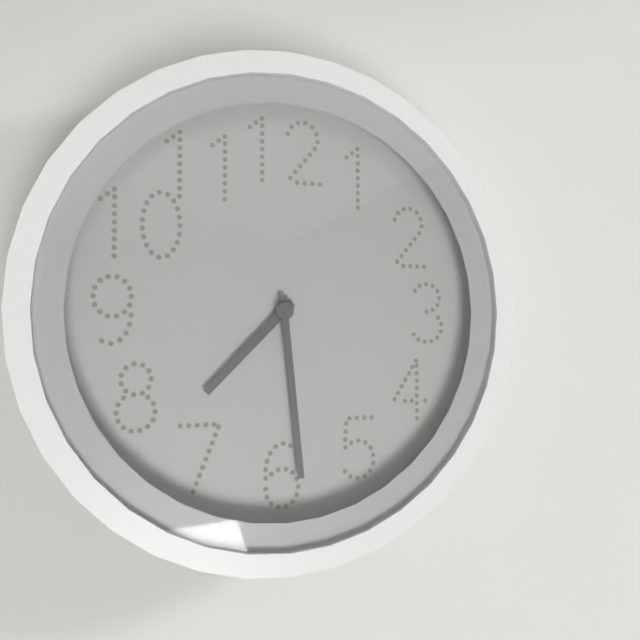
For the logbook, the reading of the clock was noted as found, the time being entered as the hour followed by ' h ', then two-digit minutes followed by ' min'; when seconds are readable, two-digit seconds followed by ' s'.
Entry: 7 h 29 min
